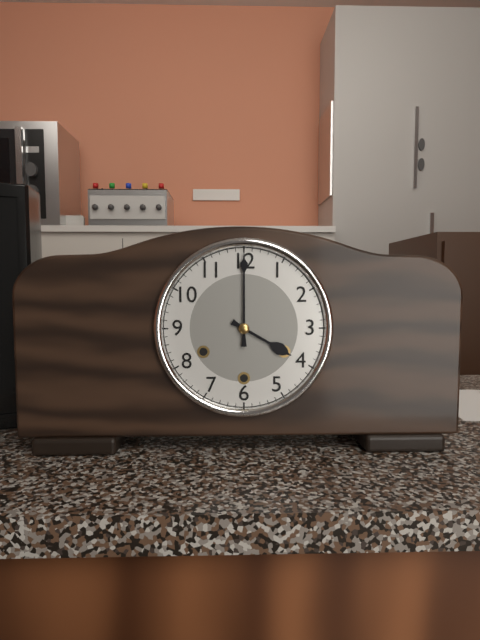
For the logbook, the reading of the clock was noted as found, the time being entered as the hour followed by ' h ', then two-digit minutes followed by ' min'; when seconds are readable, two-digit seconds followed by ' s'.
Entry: 4 h 00 min
